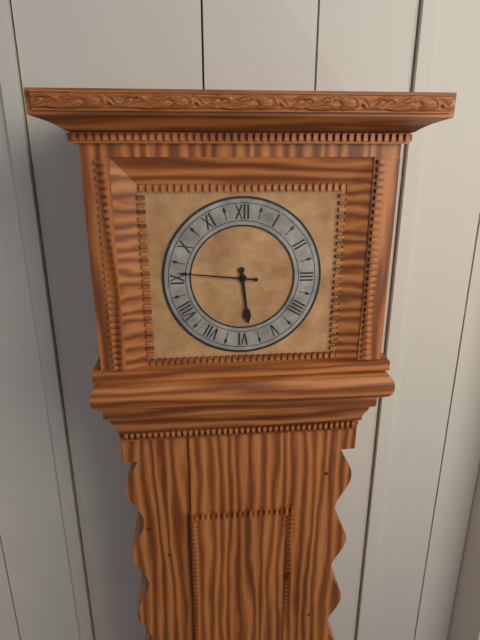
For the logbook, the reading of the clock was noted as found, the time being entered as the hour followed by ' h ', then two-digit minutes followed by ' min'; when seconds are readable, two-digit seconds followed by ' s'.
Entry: 5 h 46 min
